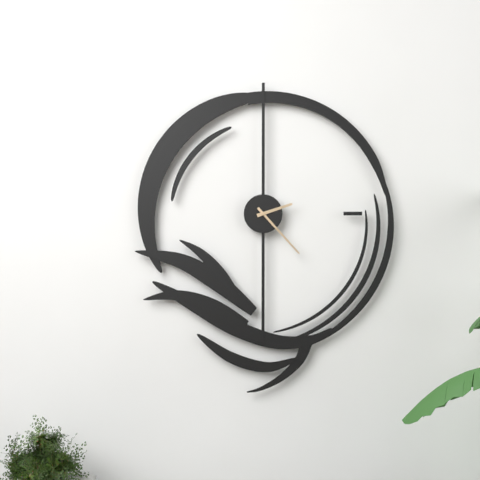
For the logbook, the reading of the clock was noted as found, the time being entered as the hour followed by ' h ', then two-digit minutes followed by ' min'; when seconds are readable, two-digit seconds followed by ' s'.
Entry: 2 h 23 min
